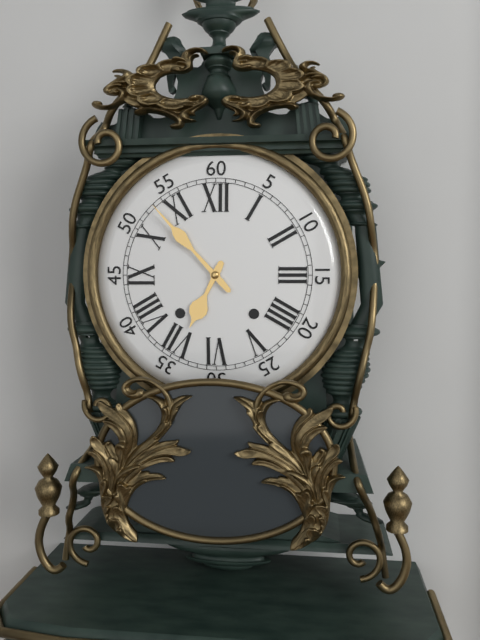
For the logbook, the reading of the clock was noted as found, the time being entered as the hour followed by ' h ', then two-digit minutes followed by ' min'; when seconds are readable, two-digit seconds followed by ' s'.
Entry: 6 h 53 min
